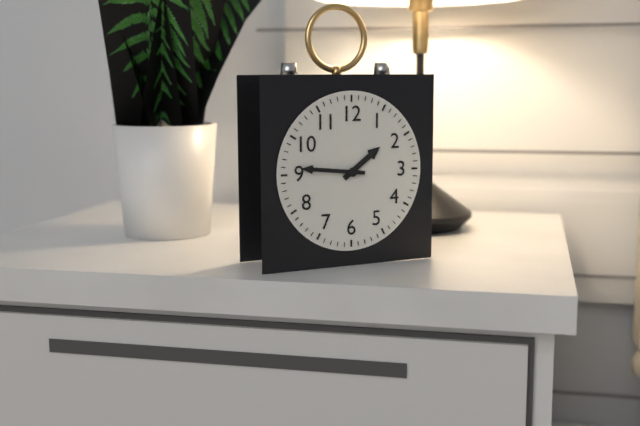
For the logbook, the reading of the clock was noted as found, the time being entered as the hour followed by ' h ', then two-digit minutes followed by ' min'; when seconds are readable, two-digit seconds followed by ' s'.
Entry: 1 h 46 min
